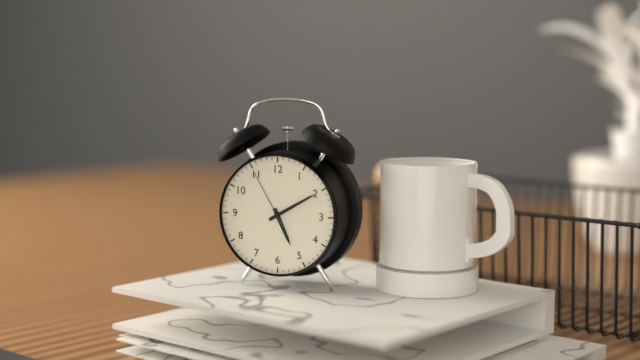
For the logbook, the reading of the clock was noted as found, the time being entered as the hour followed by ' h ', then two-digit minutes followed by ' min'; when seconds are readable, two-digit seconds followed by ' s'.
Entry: 5 h 10 min 55 s
